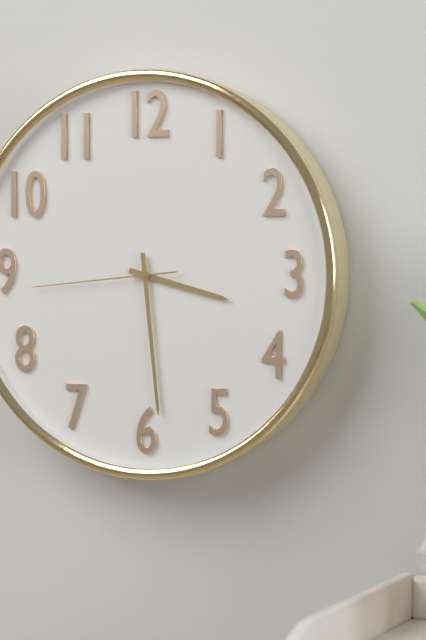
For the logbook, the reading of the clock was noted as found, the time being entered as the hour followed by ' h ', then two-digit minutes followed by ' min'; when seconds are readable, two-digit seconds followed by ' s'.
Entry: 3 h 29 min 44 s
